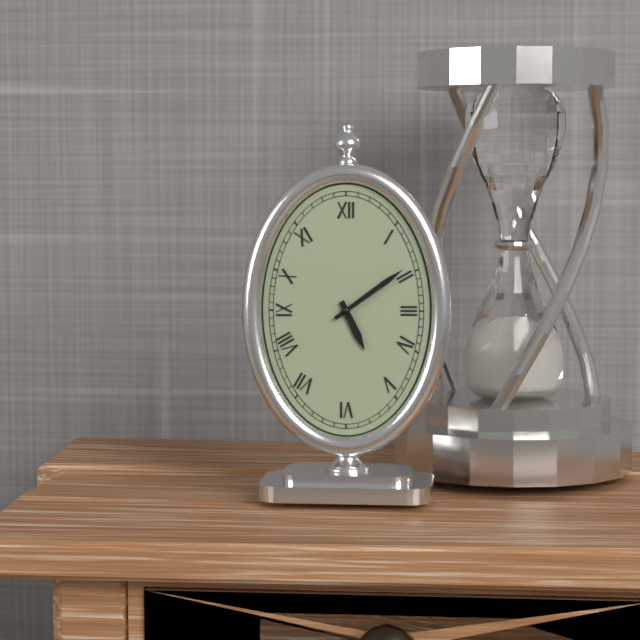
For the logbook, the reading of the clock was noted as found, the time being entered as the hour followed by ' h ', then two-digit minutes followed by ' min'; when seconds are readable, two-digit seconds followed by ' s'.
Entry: 5 h 09 min
